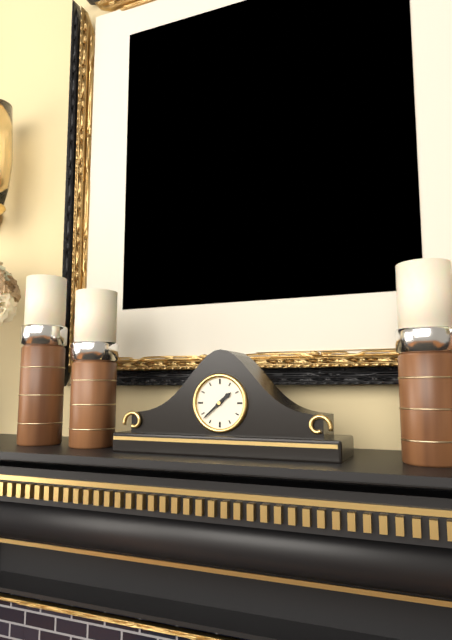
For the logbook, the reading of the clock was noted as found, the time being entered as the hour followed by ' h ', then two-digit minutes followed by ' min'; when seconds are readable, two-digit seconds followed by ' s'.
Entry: 1 h 38 min
